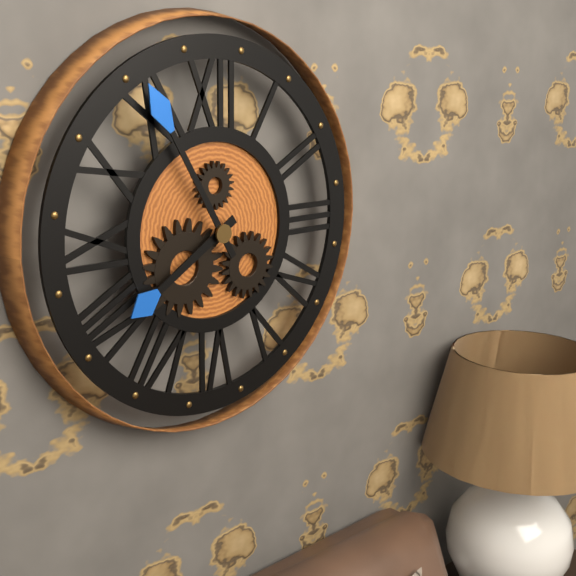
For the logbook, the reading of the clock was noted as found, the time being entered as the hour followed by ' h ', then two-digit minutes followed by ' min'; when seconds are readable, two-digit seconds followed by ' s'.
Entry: 7 h 55 min
